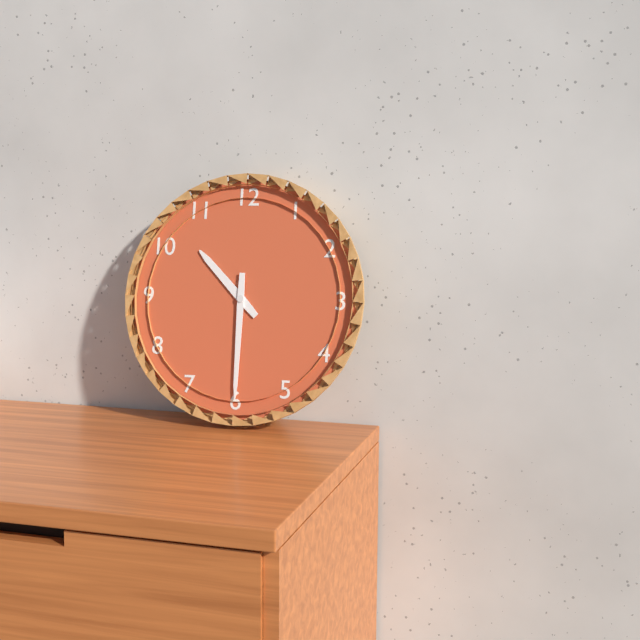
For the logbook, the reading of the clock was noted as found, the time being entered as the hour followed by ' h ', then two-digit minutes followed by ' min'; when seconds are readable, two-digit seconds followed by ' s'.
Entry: 10 h 30 min
